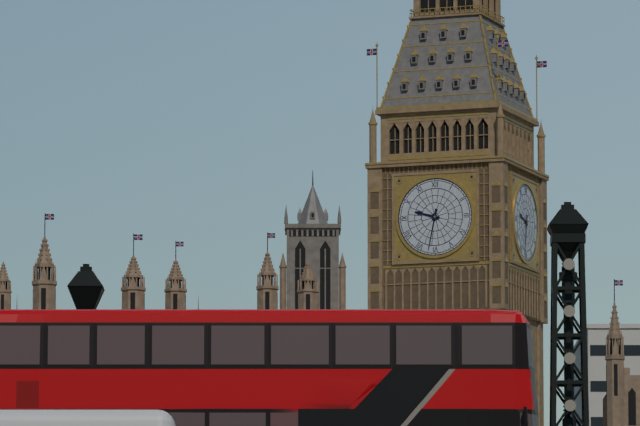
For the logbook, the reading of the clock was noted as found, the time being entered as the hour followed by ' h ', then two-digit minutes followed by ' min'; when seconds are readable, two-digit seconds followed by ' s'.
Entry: 9 h 32 min
